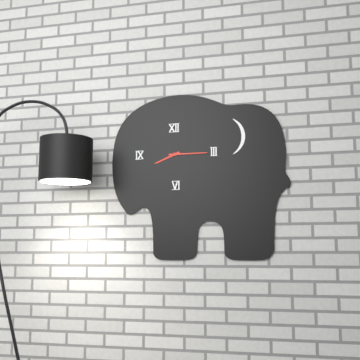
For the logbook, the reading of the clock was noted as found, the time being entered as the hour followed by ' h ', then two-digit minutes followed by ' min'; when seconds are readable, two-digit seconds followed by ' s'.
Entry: 8 h 15 min
